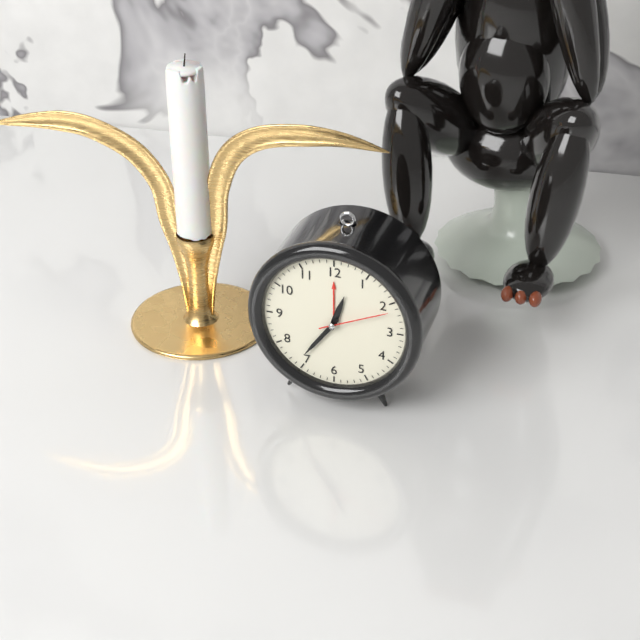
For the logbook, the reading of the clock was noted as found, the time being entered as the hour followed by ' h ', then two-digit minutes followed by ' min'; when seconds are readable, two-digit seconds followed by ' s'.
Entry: 12 h 36 min 11 s
